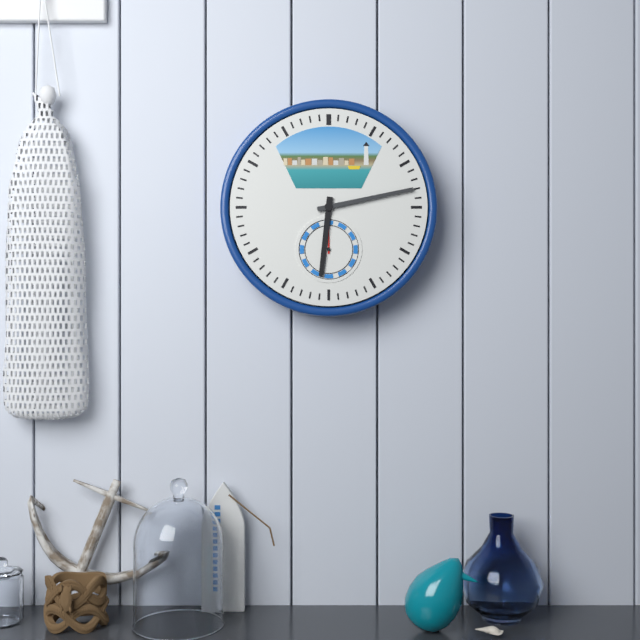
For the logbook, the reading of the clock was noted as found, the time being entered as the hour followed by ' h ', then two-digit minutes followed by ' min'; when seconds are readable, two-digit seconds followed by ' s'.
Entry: 6 h 13 min
